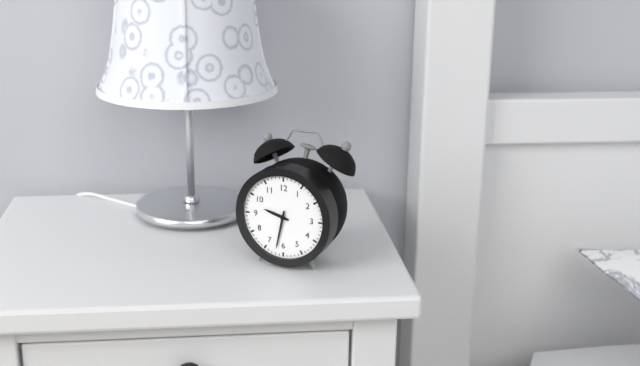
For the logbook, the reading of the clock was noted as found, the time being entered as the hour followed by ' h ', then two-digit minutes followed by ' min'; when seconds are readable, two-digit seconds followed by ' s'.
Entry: 9 h 32 min
